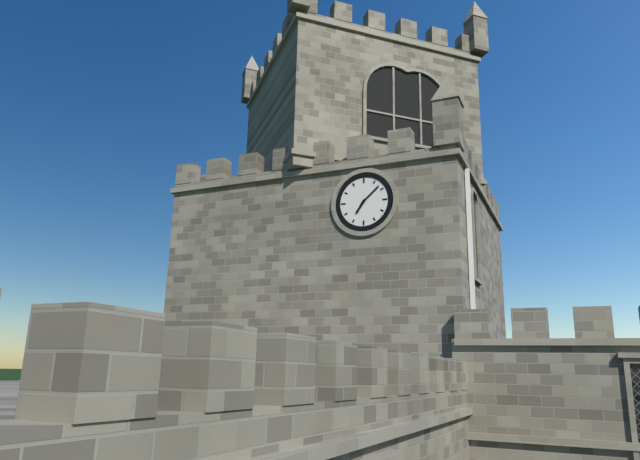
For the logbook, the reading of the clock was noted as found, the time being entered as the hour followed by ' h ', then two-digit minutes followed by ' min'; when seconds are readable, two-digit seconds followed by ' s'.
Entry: 7 h 08 min
